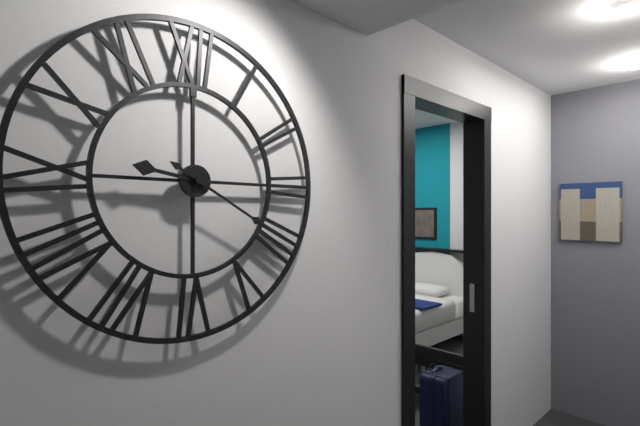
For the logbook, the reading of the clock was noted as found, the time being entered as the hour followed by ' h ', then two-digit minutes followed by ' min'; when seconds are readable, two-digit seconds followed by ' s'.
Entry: 9 h 20 min
